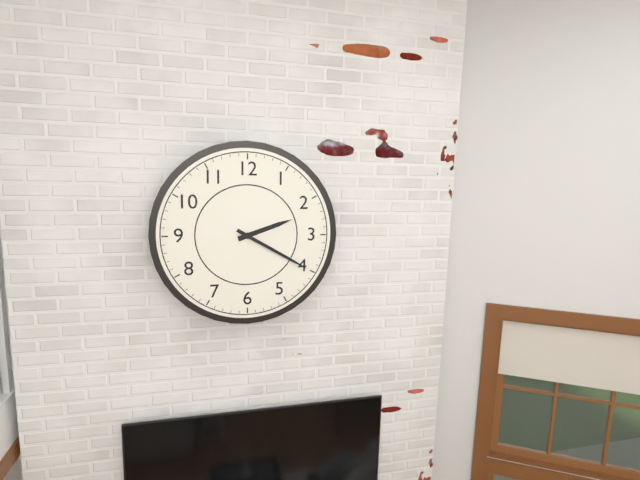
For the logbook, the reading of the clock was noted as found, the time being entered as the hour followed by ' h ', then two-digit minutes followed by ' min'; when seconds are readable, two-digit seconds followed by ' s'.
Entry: 2 h 20 min
